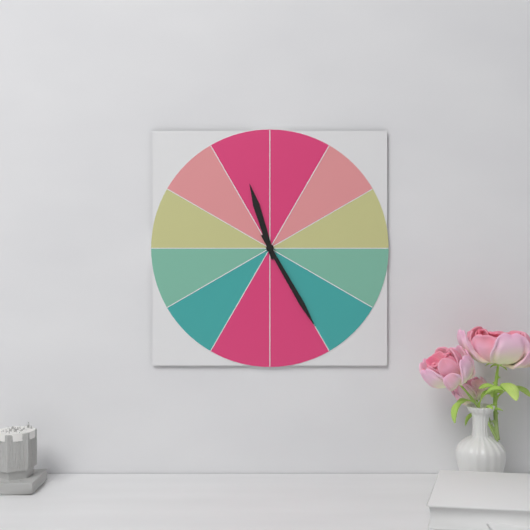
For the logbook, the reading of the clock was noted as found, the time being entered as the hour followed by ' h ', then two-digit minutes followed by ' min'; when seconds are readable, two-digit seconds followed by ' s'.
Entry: 11 h 25 min
